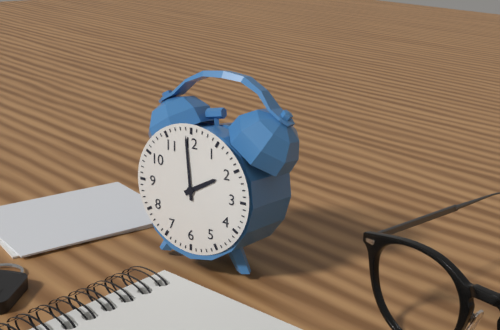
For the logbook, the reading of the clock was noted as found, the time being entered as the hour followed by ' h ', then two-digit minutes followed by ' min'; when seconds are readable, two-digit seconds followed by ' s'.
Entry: 1 h 59 min
